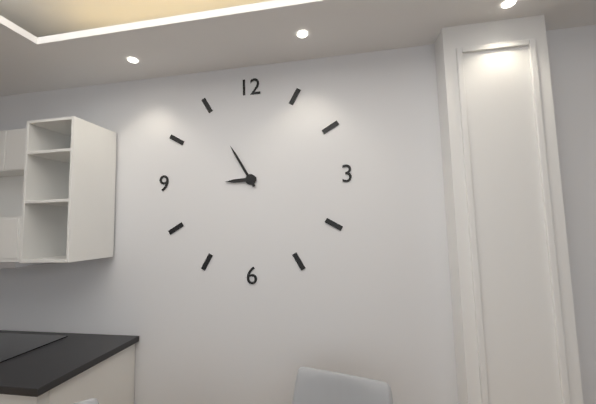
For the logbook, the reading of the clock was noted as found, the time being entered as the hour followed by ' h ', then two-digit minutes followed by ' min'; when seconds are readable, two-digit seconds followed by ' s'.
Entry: 8 h 55 min
